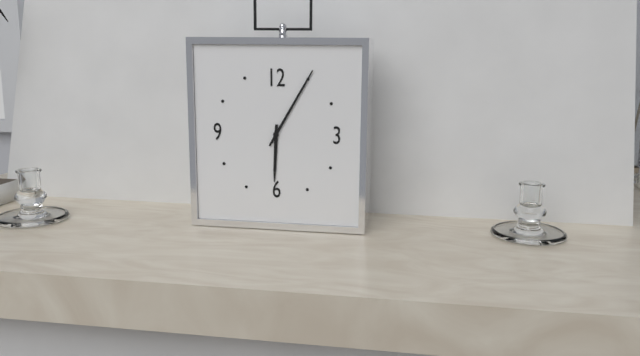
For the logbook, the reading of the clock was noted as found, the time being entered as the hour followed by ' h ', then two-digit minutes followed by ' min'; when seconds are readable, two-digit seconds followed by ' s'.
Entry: 6 h 05 min
